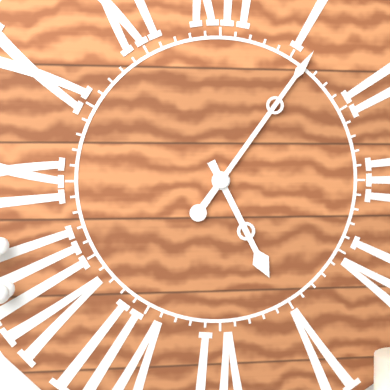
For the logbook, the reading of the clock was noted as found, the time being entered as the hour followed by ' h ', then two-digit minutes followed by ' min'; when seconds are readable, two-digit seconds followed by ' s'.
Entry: 5 h 06 min
